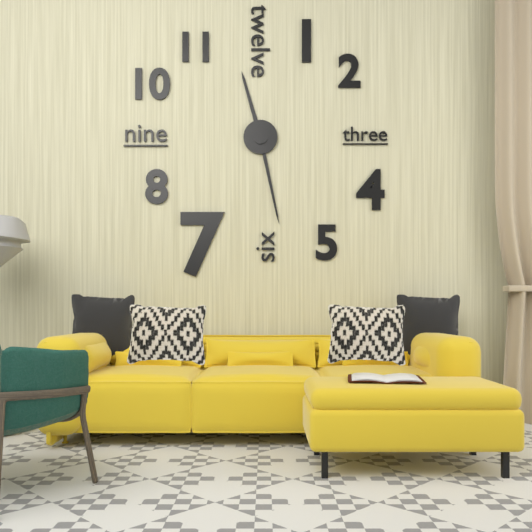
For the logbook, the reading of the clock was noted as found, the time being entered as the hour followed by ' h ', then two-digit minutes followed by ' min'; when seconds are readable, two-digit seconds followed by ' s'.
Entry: 11 h 28 min
